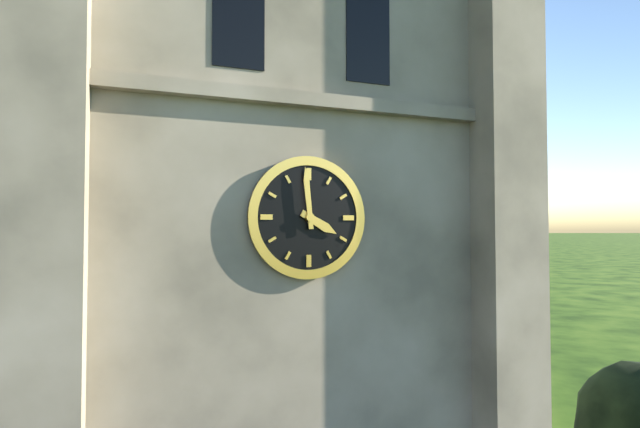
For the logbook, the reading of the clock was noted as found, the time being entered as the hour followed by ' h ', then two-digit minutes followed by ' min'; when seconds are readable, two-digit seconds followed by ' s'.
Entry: 3 h 59 min
